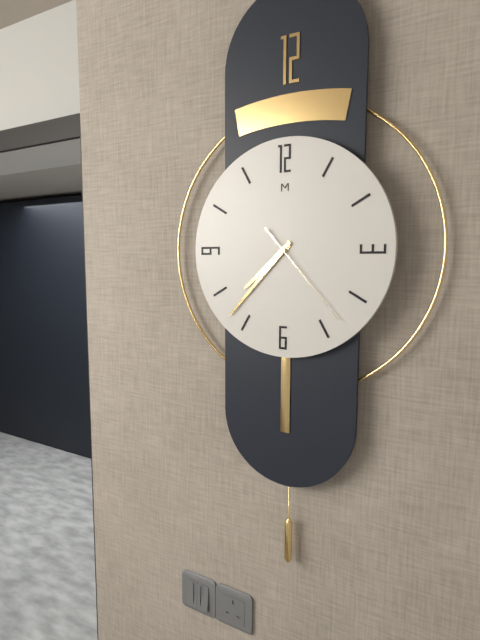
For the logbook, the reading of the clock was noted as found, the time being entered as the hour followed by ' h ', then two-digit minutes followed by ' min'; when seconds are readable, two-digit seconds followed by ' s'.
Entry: 7 h 37 min 23 s
